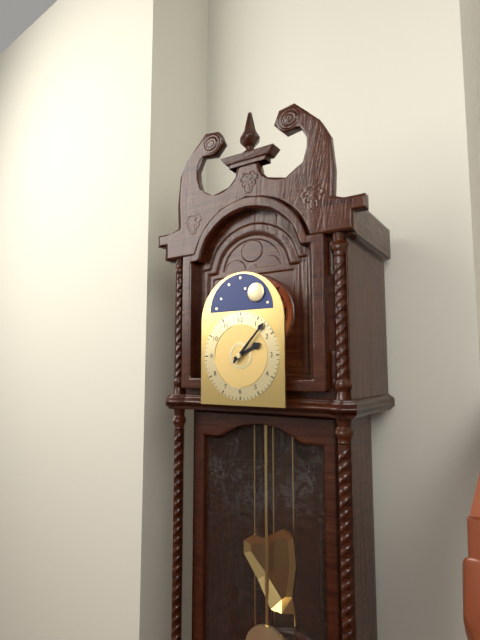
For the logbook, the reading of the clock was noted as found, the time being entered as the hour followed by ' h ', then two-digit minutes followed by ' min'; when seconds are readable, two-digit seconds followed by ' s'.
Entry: 2 h 07 min
